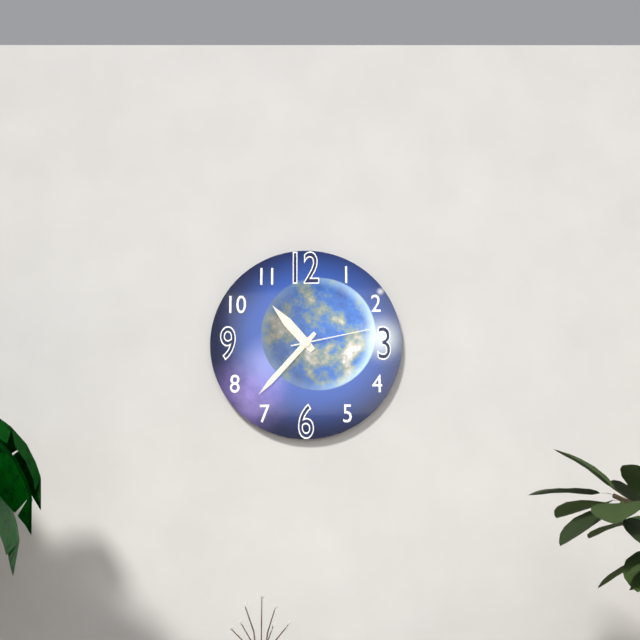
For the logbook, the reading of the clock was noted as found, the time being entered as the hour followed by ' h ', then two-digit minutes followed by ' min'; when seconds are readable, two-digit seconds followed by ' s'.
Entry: 10 h 37 min 13 s
